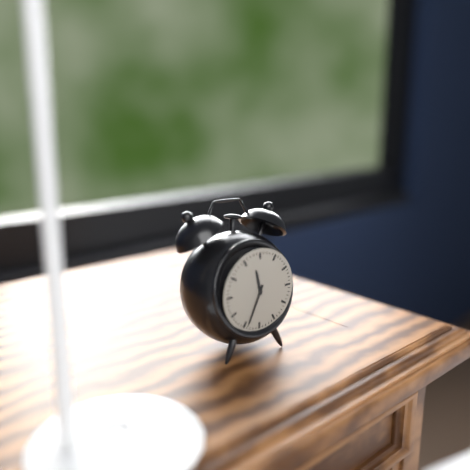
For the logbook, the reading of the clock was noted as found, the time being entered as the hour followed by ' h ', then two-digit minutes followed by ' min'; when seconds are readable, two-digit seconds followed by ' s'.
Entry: 11 h 34 min
